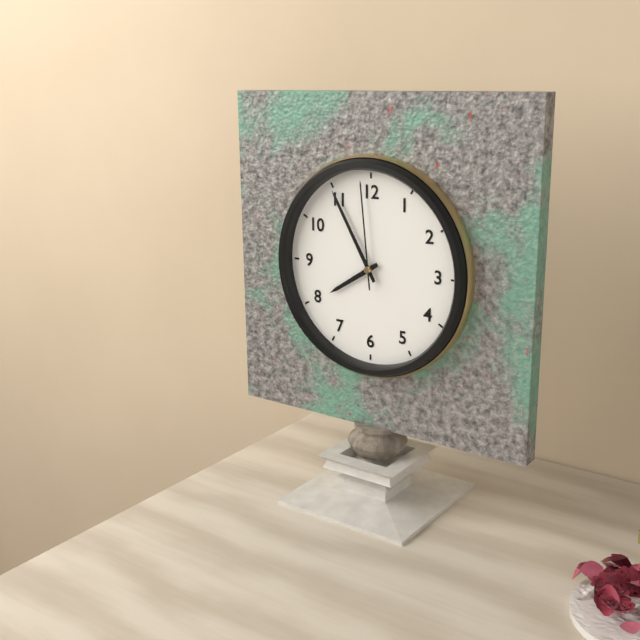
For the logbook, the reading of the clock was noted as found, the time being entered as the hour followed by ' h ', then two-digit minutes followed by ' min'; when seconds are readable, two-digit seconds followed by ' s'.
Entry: 7 h 55 min 59 s
